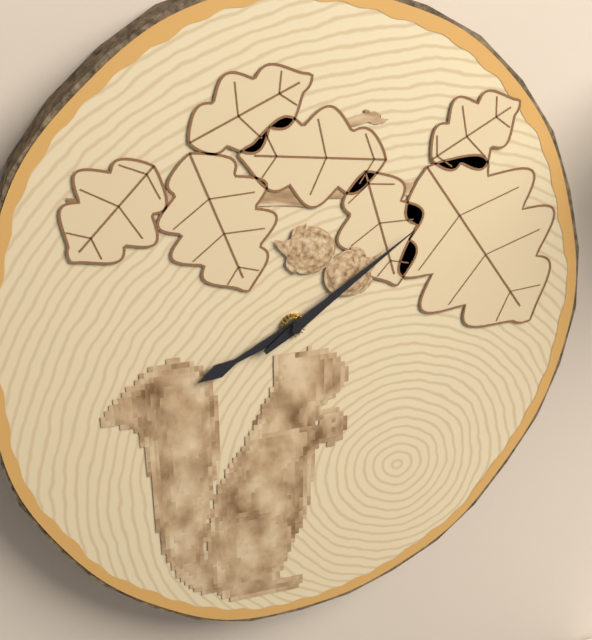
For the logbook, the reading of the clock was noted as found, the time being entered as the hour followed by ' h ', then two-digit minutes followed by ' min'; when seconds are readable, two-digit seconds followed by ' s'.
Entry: 8 h 09 min
